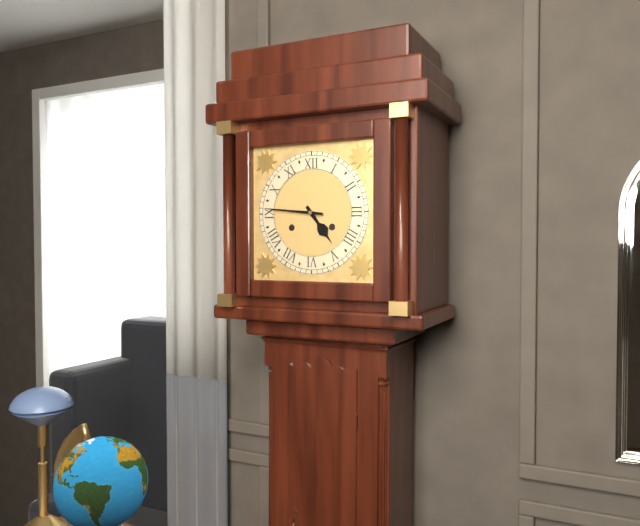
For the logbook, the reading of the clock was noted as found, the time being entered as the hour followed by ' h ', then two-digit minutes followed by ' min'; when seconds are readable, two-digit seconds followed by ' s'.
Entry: 4 h 46 min
